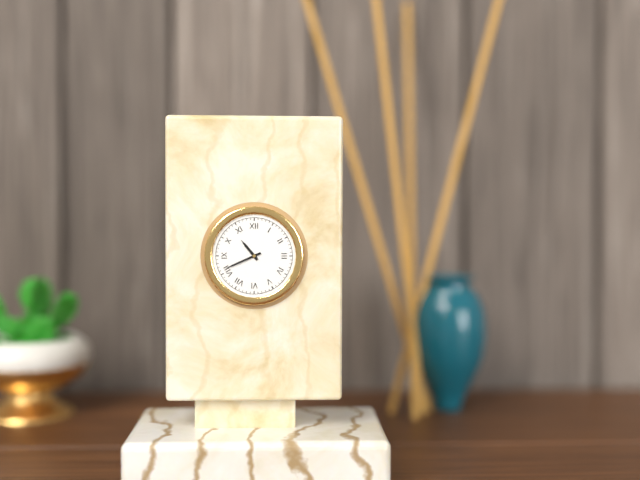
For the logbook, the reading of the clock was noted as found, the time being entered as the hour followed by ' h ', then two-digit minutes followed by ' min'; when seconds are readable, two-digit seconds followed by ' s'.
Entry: 10 h 41 min
